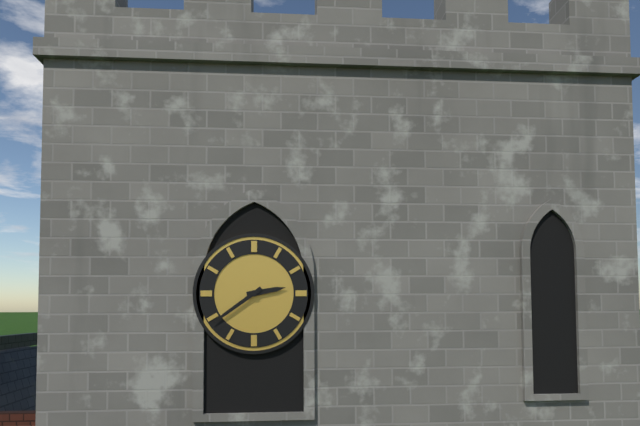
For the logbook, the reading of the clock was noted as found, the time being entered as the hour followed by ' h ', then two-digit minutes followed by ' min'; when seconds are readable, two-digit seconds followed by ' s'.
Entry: 2 h 39 min
